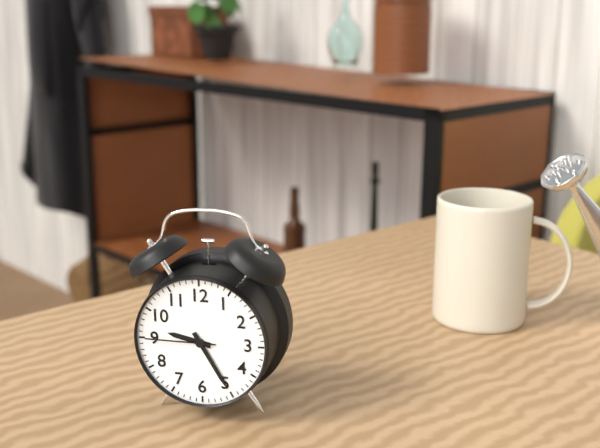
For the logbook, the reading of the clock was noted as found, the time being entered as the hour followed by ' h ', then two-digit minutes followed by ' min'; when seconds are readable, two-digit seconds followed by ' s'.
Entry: 9 h 25 min 45 s
